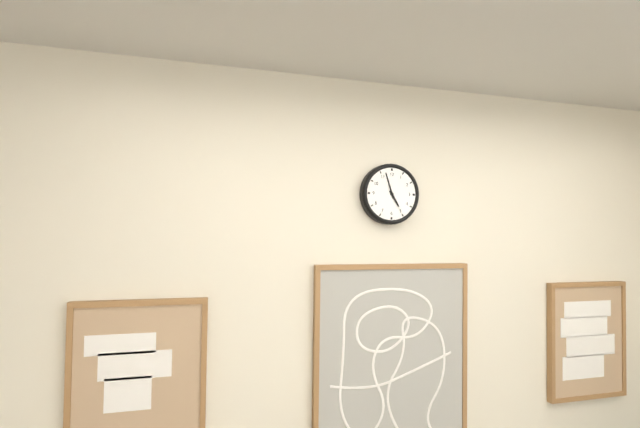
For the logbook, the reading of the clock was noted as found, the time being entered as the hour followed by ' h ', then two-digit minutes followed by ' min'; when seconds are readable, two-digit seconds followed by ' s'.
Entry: 4 h 57 min
